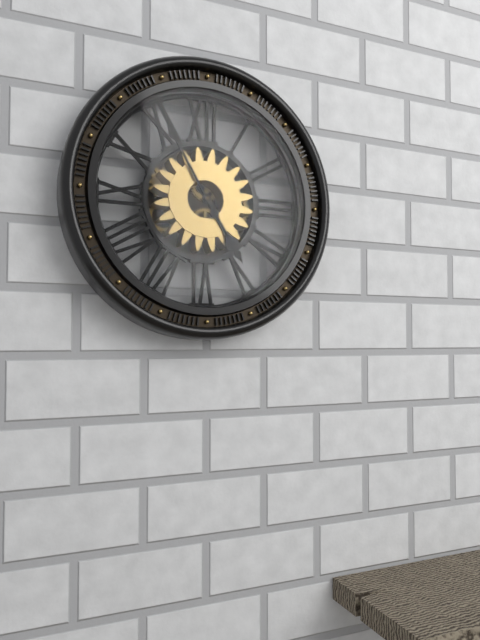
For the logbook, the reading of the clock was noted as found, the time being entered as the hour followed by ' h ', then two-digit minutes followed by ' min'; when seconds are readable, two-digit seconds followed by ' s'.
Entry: 4 h 55 min
